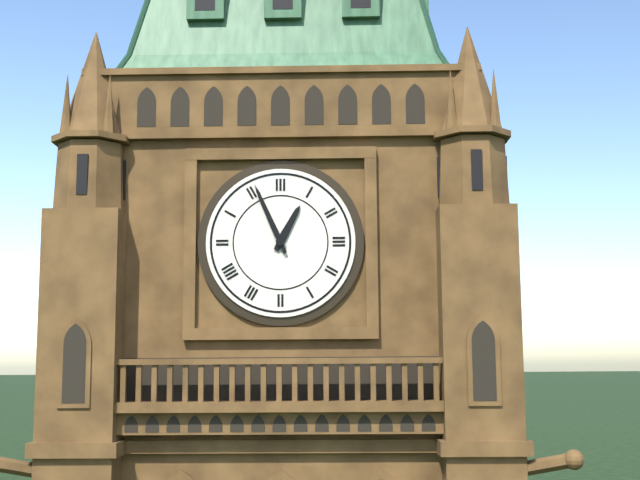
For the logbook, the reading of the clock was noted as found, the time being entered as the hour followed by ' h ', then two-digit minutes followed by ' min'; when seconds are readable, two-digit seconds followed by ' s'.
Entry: 12 h 56 min
